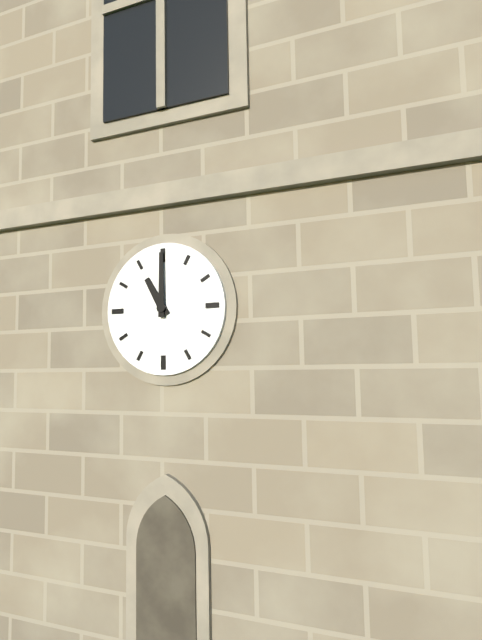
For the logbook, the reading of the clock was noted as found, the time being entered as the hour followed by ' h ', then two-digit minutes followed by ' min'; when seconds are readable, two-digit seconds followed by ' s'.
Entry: 11 h 00 min
